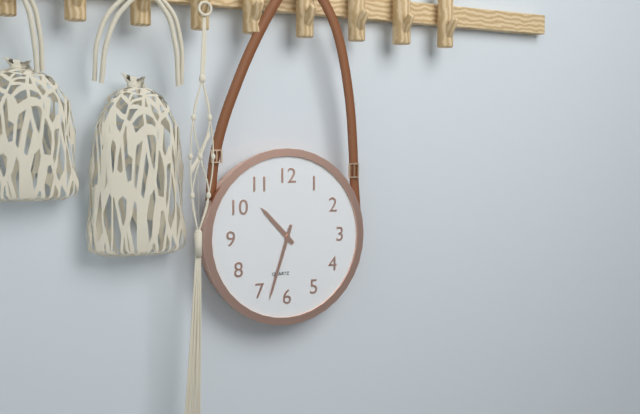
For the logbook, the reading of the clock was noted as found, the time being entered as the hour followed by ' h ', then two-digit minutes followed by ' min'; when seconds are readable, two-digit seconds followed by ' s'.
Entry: 10 h 33 min
